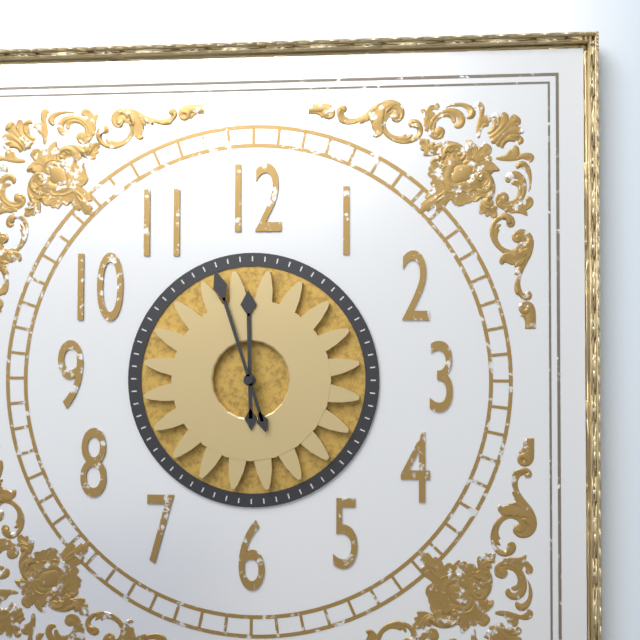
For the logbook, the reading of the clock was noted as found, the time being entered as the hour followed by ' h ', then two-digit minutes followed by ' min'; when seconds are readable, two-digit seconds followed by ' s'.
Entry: 11 h 57 min
